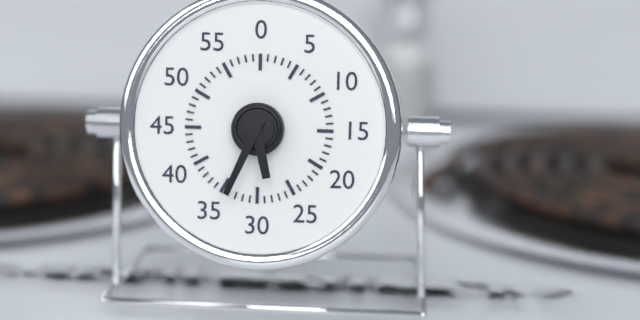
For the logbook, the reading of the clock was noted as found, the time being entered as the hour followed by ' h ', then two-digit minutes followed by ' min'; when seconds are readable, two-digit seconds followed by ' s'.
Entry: 5 h 34 min
